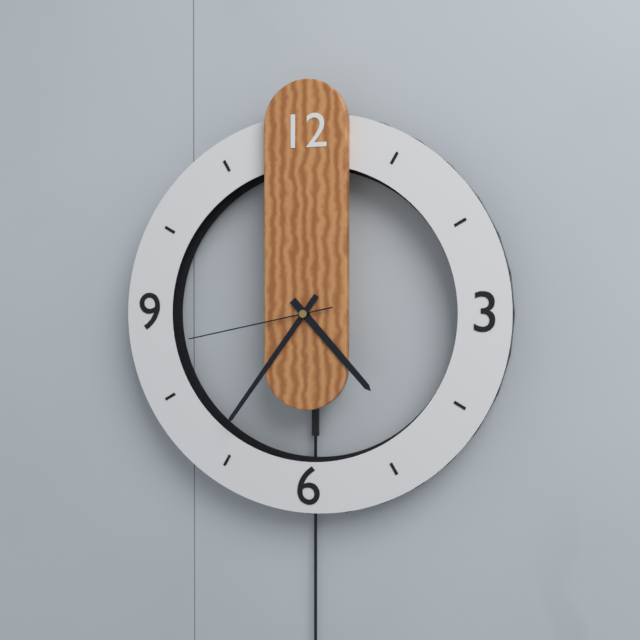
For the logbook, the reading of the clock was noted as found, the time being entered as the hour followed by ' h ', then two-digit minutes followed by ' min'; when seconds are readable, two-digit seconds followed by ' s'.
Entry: 4 h 36 min 43 s
